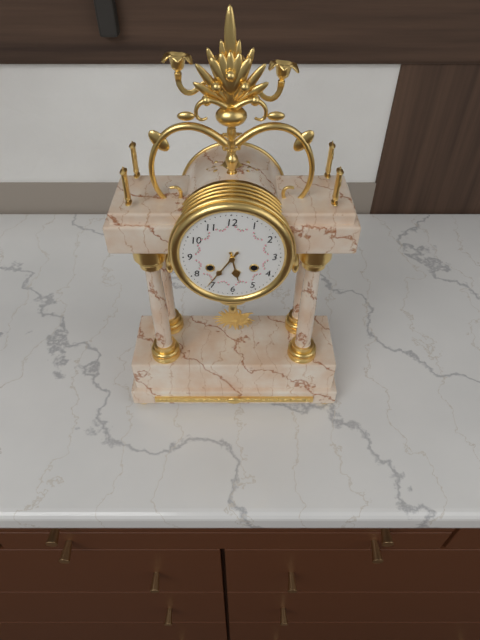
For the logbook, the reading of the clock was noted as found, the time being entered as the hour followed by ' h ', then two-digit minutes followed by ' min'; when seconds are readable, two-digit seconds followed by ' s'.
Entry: 5 h 36 min
